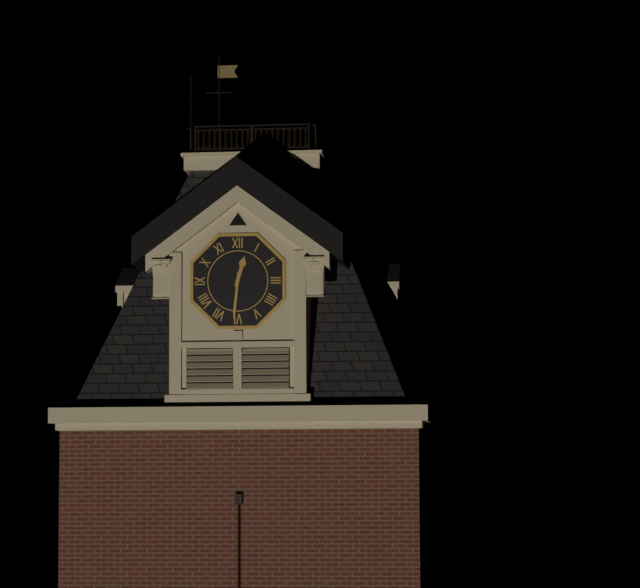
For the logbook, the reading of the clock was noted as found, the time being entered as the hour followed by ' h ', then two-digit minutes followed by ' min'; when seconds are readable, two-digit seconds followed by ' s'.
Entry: 12 h 31 min
